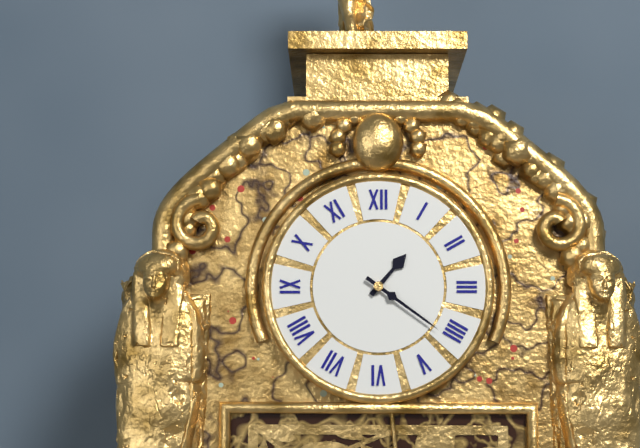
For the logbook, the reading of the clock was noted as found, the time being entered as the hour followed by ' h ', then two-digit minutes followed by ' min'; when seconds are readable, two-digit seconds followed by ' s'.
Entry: 1 h 21 min
